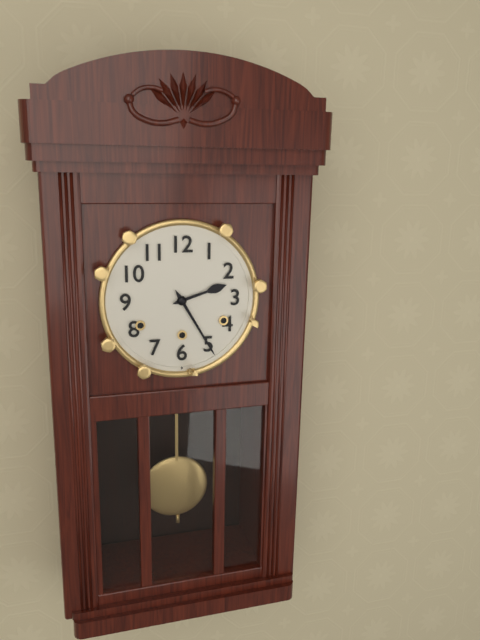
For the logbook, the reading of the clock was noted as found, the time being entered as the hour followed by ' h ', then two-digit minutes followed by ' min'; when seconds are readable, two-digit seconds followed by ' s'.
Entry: 2 h 25 min
